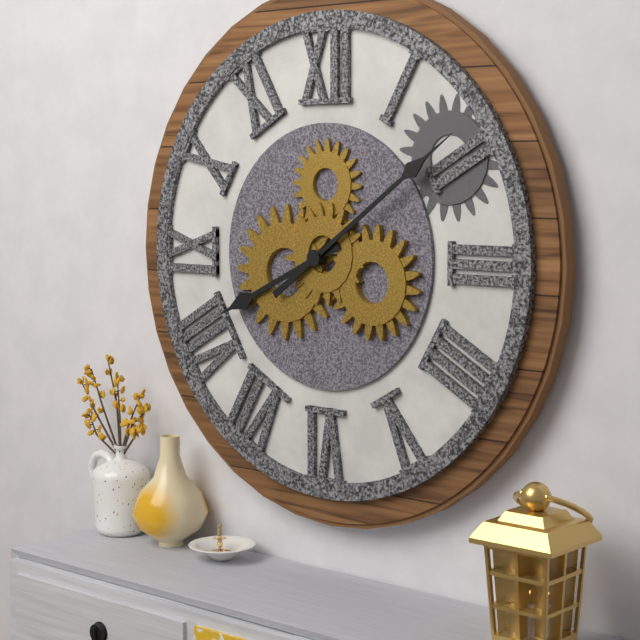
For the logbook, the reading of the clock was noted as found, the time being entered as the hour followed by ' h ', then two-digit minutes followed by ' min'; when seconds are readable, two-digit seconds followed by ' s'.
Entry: 8 h 09 min
